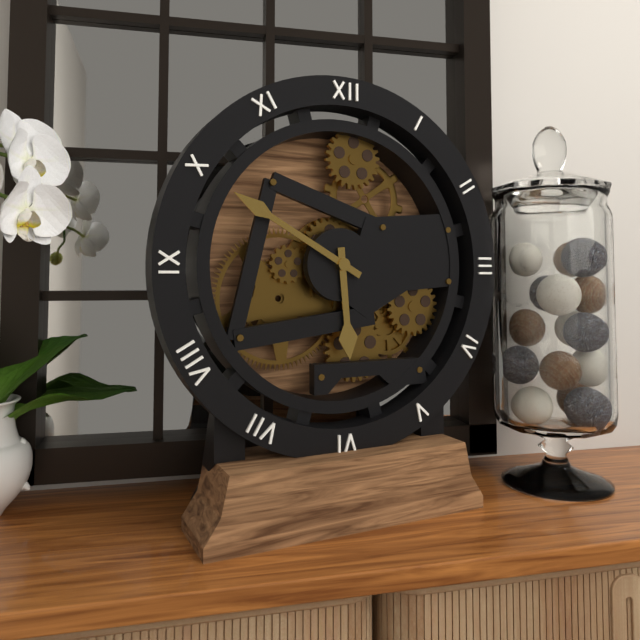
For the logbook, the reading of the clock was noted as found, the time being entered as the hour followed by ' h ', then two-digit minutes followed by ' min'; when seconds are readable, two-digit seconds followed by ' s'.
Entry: 5 h 50 min
